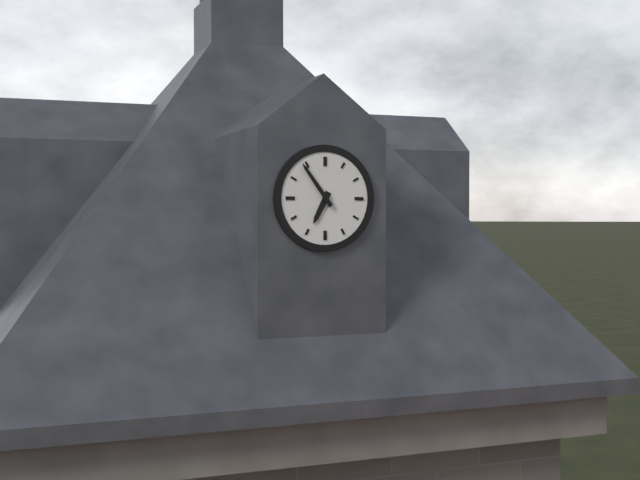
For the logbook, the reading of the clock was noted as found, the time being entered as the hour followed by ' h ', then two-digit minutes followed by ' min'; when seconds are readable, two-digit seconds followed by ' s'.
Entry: 6 h 54 min
